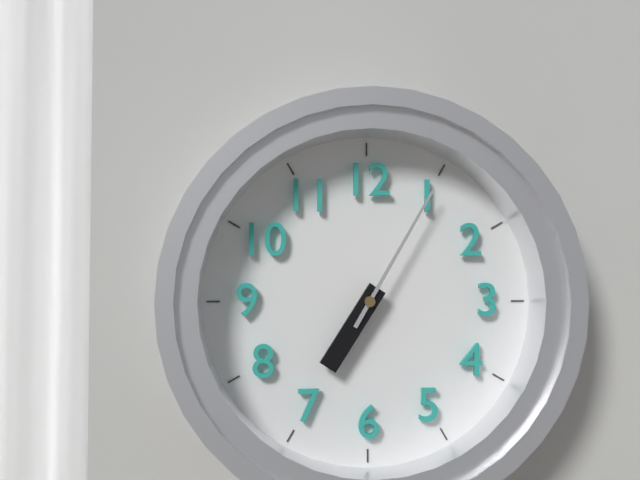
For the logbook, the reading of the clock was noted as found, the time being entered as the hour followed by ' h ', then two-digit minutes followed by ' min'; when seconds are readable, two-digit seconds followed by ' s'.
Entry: 7 h 05 min
